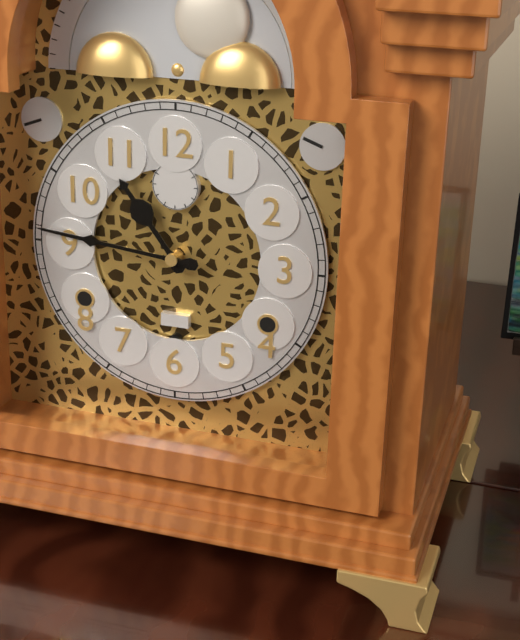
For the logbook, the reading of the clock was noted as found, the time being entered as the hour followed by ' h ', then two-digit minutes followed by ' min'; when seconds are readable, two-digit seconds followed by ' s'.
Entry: 10 h 46 min
